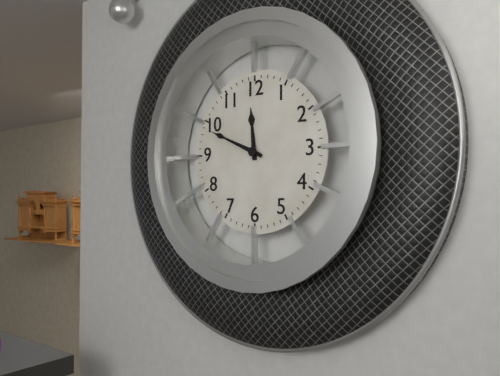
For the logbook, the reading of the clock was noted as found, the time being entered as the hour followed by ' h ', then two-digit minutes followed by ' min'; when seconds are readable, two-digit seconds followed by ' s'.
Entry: 11 h 49 min
